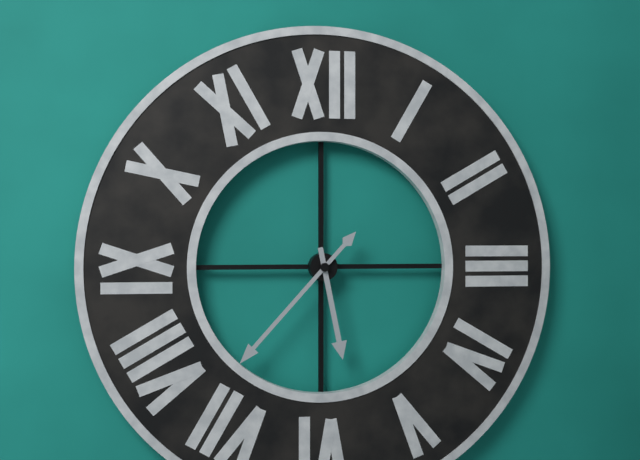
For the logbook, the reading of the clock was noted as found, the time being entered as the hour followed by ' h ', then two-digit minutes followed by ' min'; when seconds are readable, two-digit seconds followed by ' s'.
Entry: 5 h 37 min
